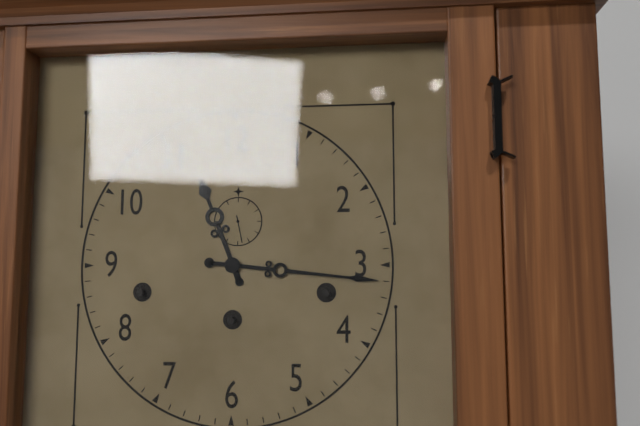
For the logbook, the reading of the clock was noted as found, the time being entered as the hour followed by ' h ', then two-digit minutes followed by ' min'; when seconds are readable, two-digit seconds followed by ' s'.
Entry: 11 h 16 min
